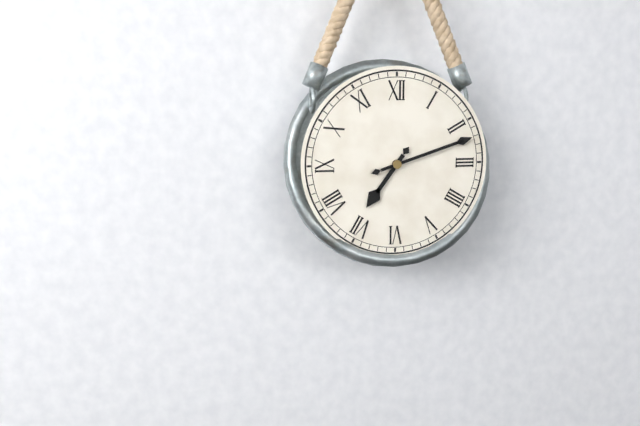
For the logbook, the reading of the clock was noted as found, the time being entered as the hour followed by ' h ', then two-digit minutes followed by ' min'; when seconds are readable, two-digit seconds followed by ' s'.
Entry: 7 h 12 min
